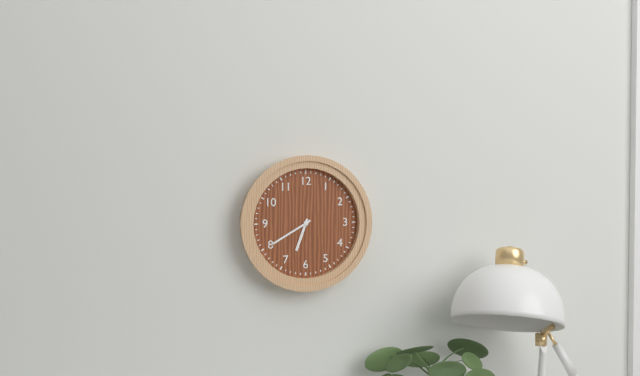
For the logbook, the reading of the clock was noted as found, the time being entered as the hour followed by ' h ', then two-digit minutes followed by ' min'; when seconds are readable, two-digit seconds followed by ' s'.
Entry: 6 h 40 min
